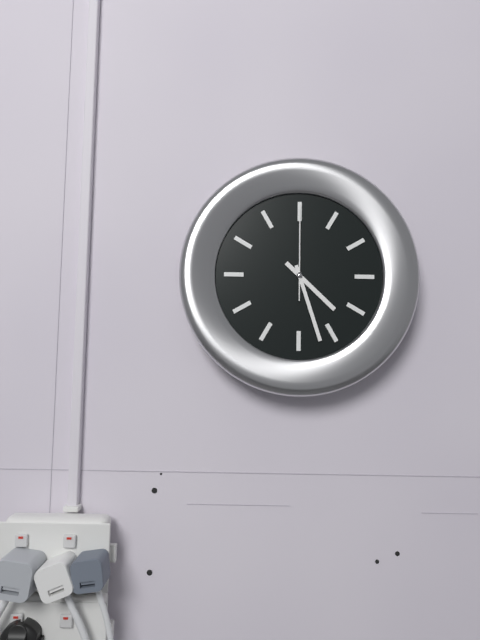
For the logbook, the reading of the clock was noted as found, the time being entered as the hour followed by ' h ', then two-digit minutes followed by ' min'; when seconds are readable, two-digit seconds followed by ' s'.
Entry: 4 h 27 min 00 s
